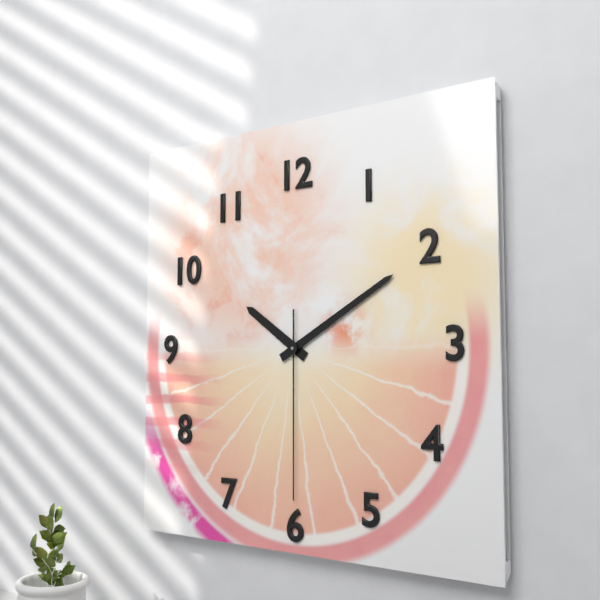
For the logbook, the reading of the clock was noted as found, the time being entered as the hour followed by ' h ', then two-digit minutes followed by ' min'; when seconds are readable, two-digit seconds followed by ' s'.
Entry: 10 h 10 min 30 s
